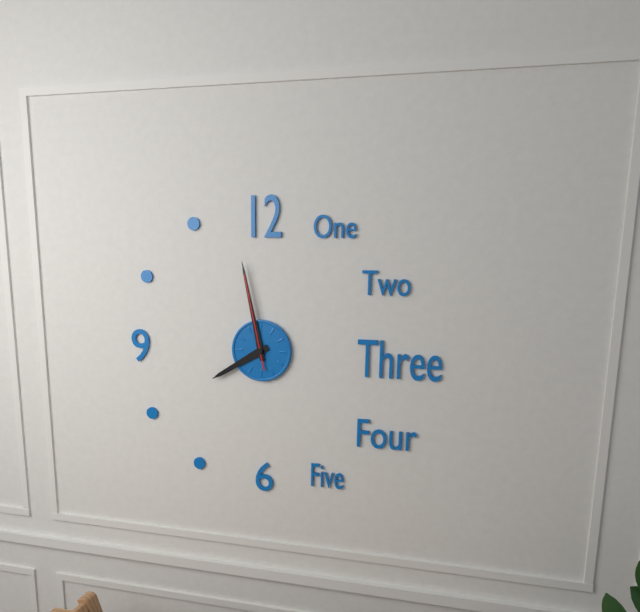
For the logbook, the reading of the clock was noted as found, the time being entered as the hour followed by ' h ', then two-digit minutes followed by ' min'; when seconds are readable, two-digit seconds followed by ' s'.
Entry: 7 h 58 min 58 s
